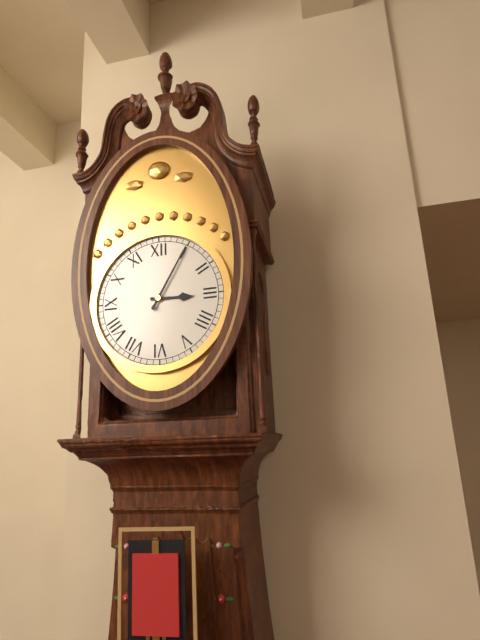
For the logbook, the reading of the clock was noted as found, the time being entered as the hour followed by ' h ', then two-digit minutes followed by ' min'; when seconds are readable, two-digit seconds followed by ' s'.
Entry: 3 h 05 min
